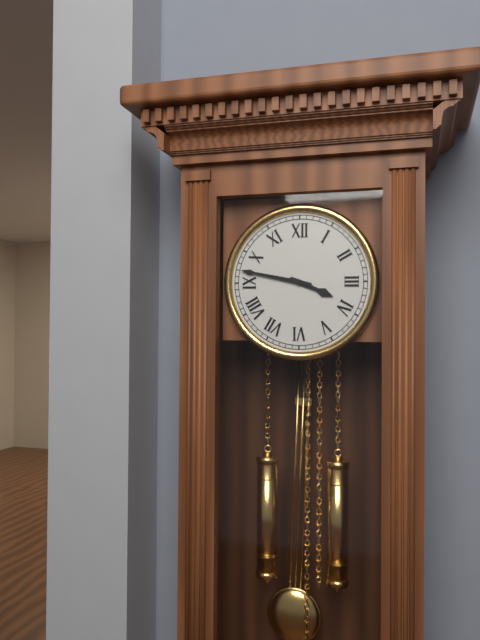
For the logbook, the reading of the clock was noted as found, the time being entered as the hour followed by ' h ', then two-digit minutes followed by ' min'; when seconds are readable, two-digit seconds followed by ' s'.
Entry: 3 h 47 min
